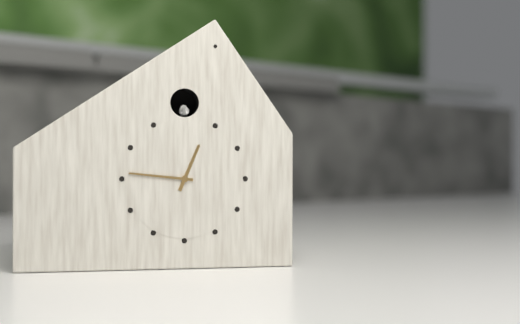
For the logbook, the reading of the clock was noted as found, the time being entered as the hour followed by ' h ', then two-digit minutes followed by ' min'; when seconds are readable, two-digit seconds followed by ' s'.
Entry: 12 h 46 min
